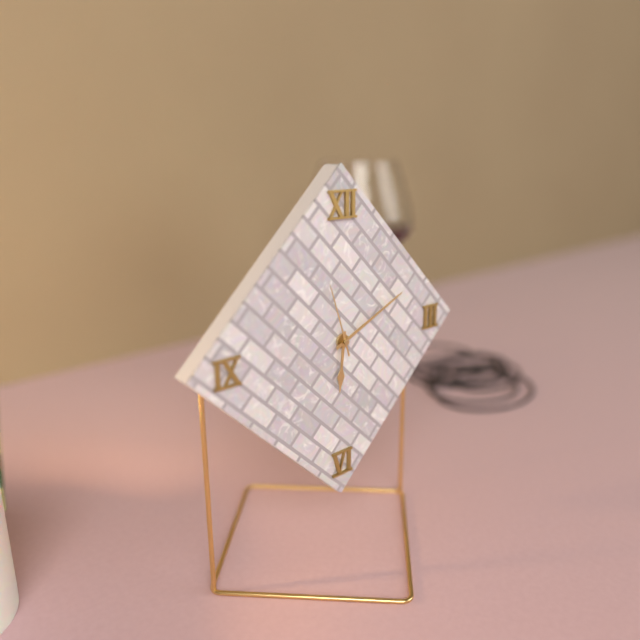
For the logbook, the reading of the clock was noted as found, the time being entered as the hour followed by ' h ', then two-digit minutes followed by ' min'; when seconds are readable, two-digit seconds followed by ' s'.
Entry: 6 h 11 min 57 s
